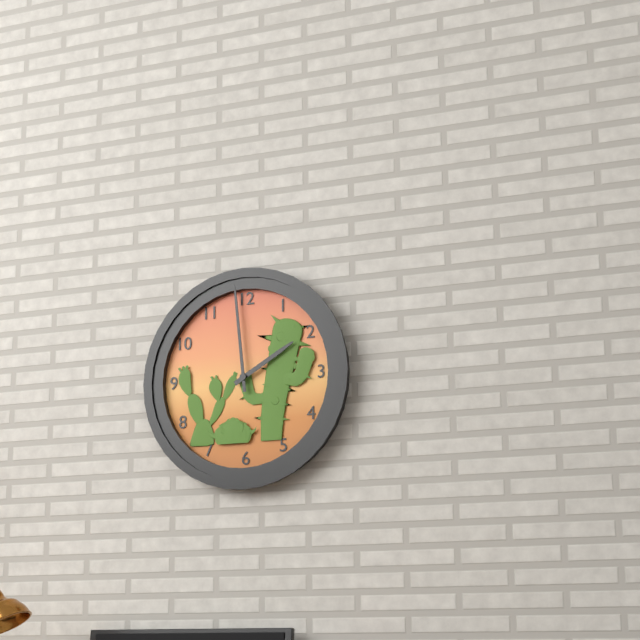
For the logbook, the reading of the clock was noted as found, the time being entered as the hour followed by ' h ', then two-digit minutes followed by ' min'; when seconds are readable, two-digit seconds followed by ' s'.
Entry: 1 h 59 min
